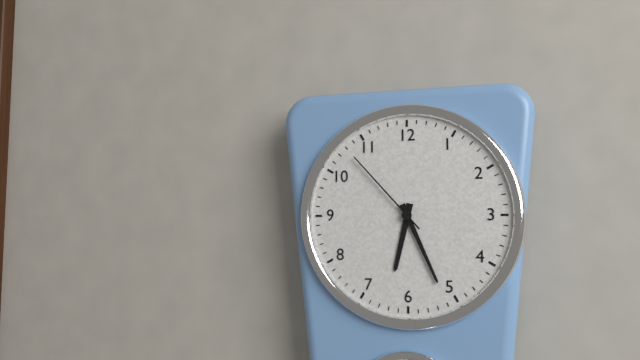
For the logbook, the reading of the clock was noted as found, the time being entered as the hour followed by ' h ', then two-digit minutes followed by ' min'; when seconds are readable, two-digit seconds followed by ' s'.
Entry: 6 h 26 min 53 s
